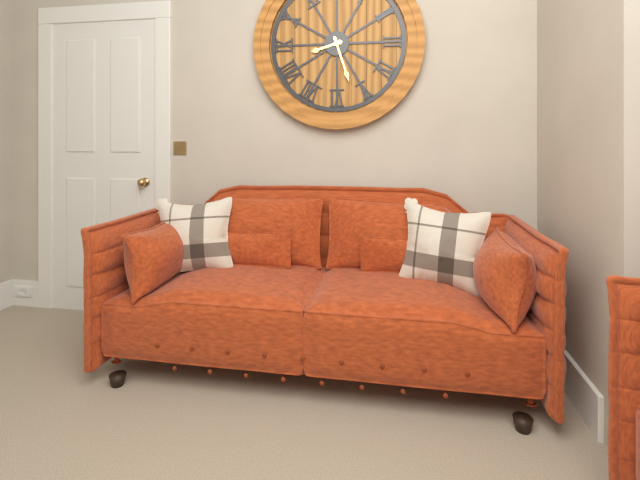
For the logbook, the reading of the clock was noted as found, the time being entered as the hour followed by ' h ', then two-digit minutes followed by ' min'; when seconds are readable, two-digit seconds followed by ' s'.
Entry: 8 h 27 min
